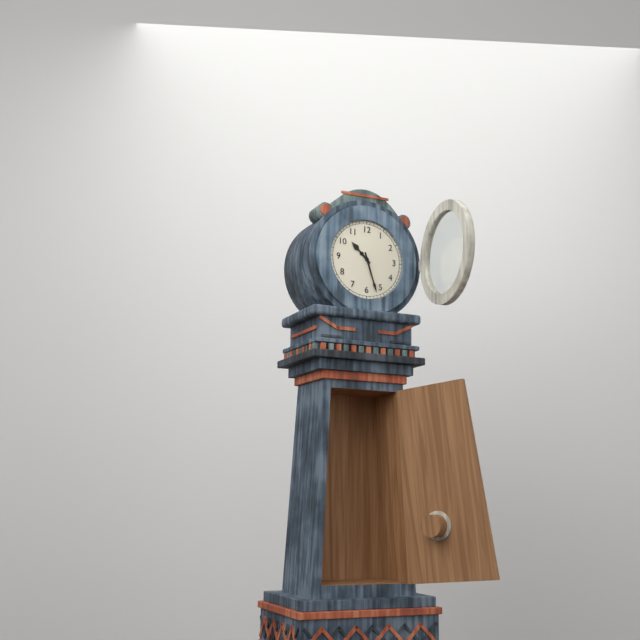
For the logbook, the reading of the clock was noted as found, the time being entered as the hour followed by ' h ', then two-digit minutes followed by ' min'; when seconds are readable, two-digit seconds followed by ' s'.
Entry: 10 h 27 min
